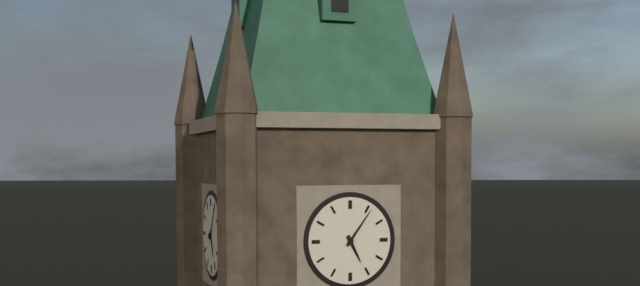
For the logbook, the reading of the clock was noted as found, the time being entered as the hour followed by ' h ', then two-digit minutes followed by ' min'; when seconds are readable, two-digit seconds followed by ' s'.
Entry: 5 h 06 min
